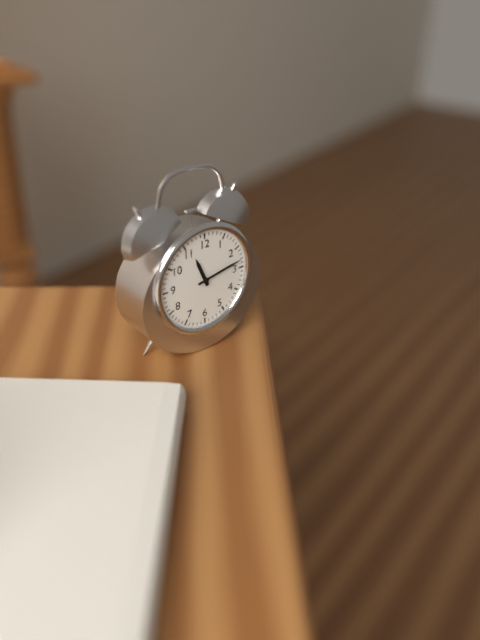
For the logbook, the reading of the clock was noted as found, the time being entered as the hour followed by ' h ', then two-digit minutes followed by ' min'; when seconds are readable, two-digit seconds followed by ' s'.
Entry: 11 h 13 min
